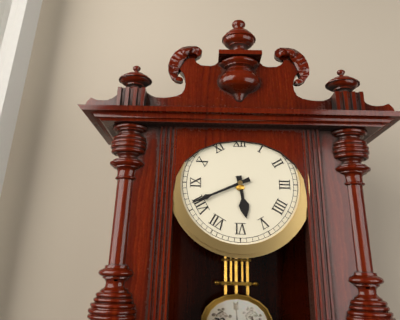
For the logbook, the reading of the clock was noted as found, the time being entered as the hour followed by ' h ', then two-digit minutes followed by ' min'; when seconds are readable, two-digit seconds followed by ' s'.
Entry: 5 h 41 min
